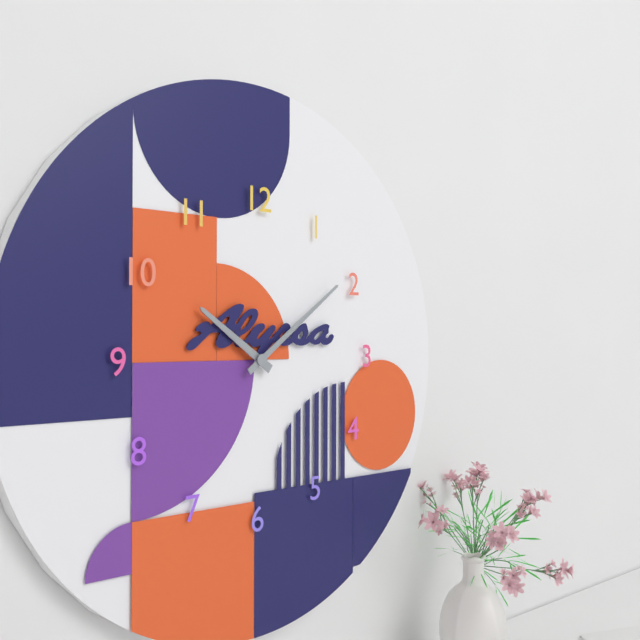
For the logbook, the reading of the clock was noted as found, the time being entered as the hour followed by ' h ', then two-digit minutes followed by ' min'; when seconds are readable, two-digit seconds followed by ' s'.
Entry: 10 h 09 min
